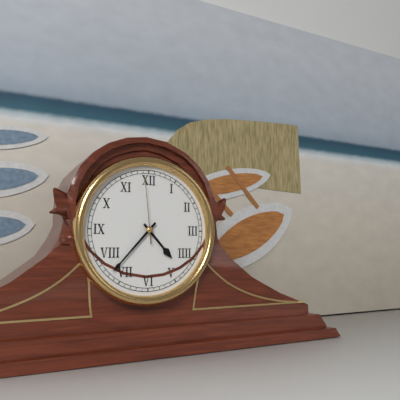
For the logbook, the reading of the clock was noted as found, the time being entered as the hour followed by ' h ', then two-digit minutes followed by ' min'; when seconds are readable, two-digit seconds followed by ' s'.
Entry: 4 h 37 min 59 s
